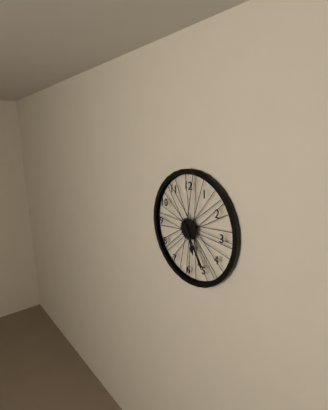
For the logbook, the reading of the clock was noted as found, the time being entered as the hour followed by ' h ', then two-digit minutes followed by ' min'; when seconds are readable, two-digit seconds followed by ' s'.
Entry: 5 h 25 min
